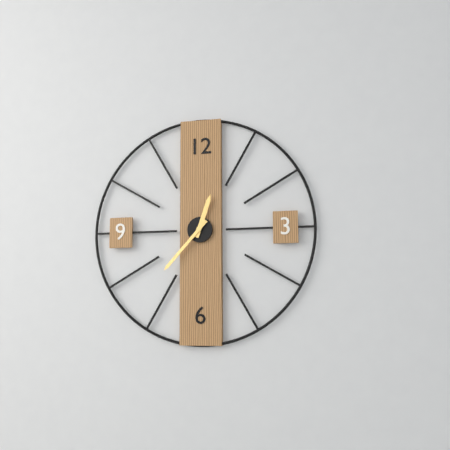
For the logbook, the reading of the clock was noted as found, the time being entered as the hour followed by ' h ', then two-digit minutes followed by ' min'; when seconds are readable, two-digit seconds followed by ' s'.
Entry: 12 h 37 min
